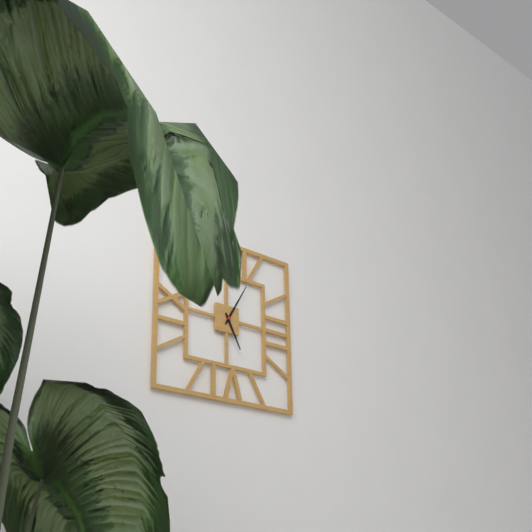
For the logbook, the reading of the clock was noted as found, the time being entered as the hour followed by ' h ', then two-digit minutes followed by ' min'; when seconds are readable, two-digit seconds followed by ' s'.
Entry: 5 h 05 min
